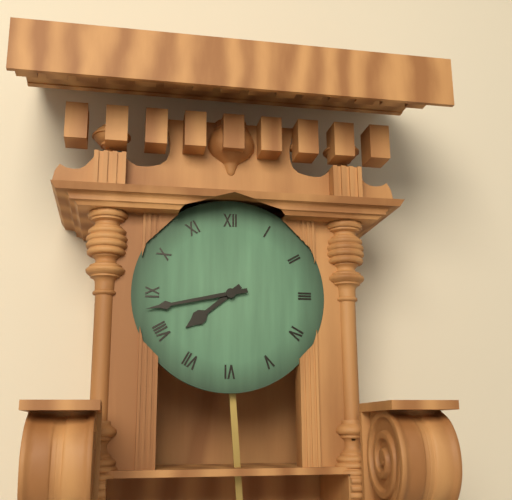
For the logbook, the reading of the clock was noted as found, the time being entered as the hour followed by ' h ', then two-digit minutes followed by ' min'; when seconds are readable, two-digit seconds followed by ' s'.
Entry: 7 h 43 min
